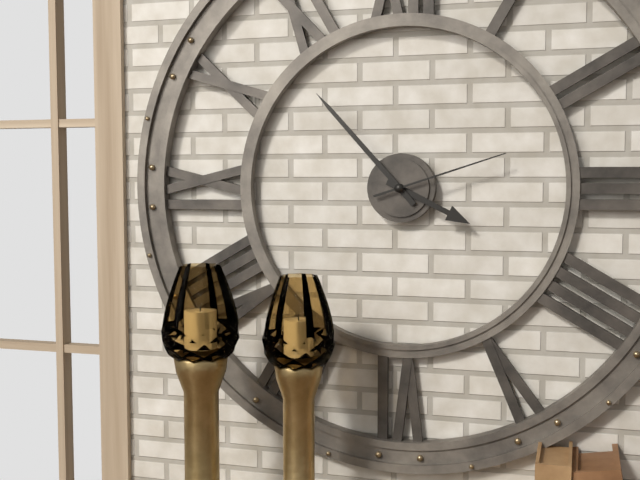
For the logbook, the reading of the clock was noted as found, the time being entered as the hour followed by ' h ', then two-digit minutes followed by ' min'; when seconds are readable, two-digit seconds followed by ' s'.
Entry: 3 h 53 min 12 s
